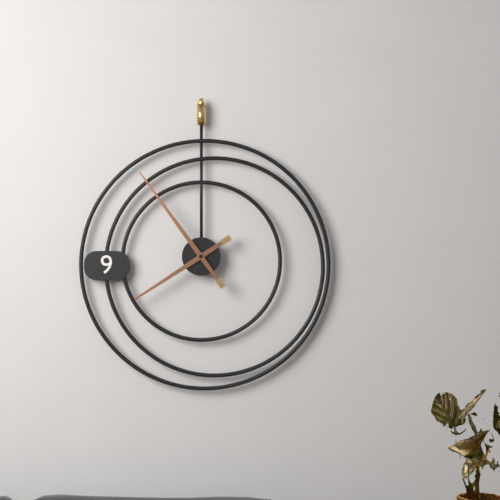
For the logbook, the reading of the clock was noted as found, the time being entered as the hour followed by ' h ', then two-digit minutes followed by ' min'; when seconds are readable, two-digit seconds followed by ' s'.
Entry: 7 h 54 min
